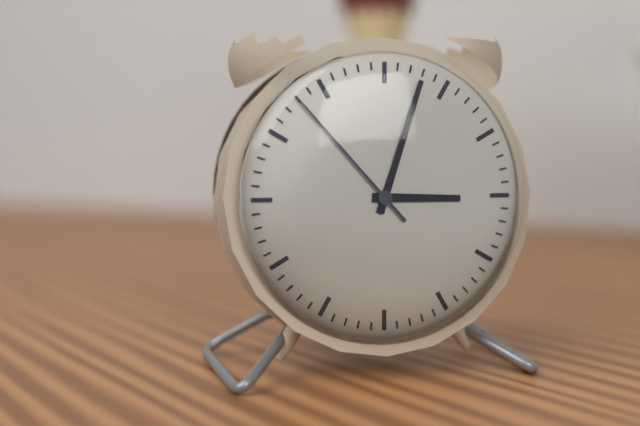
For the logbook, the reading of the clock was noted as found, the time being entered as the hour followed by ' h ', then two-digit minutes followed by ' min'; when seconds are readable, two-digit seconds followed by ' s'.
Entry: 3 h 03 min 53 s
